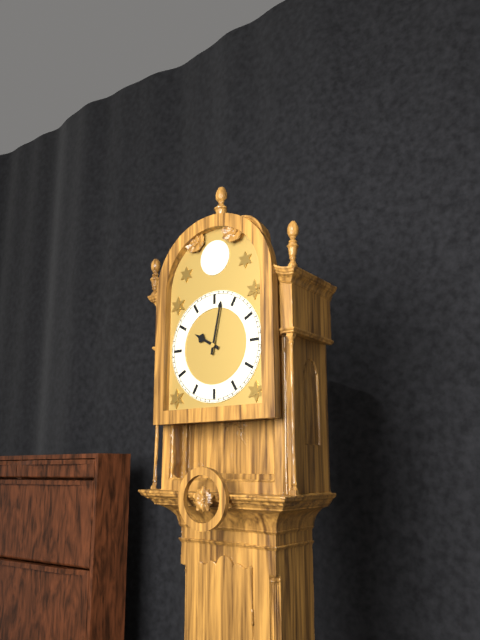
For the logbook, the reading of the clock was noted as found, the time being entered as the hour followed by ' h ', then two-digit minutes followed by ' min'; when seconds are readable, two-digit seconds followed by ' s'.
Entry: 10 h 02 min
